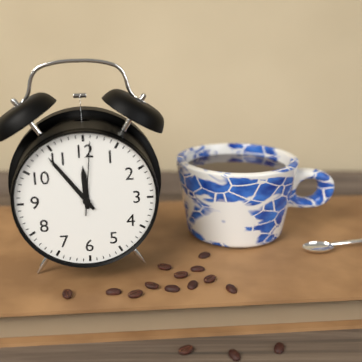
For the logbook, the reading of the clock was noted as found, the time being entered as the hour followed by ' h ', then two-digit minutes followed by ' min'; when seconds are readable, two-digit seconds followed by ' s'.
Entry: 11 h 54 min 01 s
